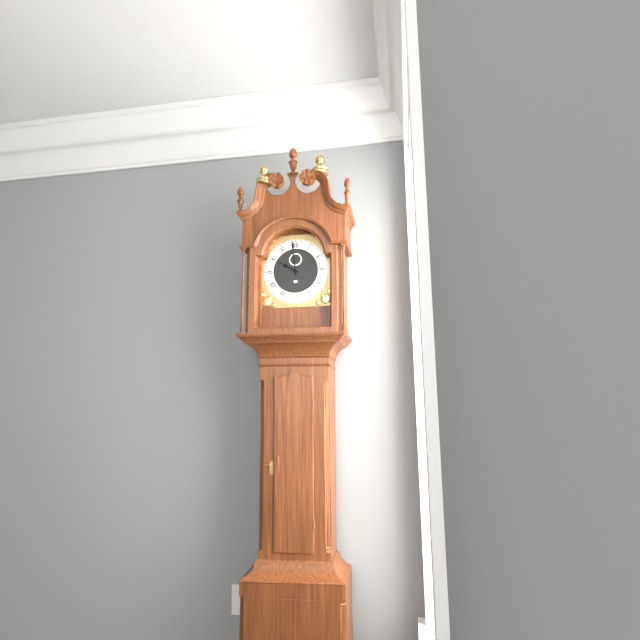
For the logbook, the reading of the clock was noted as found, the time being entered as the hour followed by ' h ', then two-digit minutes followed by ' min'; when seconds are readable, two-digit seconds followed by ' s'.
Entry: 9 h 59 min
